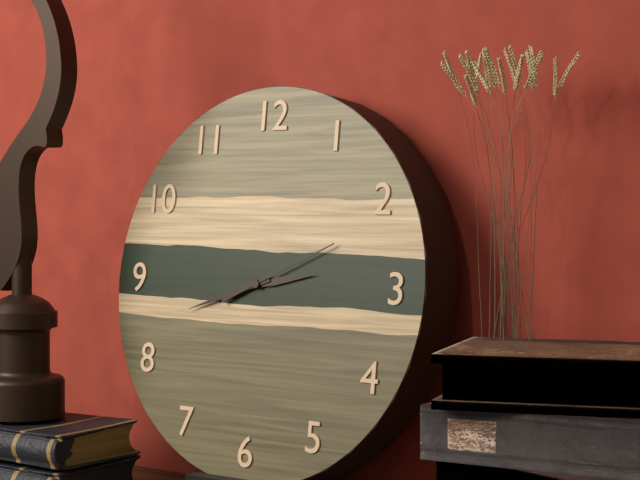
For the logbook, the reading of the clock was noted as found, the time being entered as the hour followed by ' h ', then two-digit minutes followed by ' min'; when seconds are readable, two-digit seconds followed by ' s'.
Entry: 2 h 42 min 11 s
